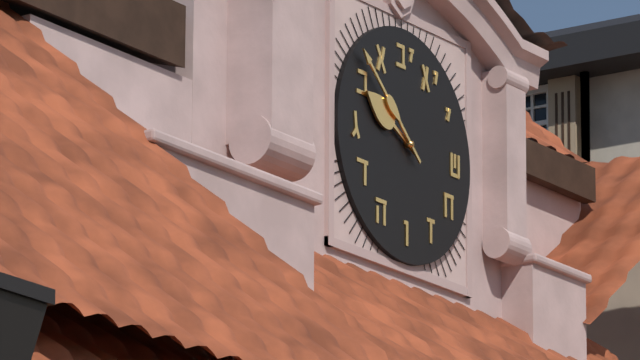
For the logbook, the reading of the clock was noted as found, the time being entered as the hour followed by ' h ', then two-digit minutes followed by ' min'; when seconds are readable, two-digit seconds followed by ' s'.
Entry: 9 h 52 min
